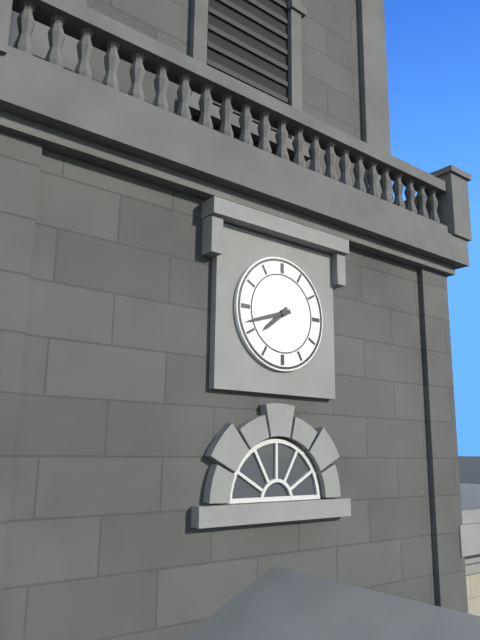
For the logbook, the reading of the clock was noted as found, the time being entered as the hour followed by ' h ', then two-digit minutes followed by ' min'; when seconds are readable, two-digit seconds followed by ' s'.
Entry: 7 h 42 min
